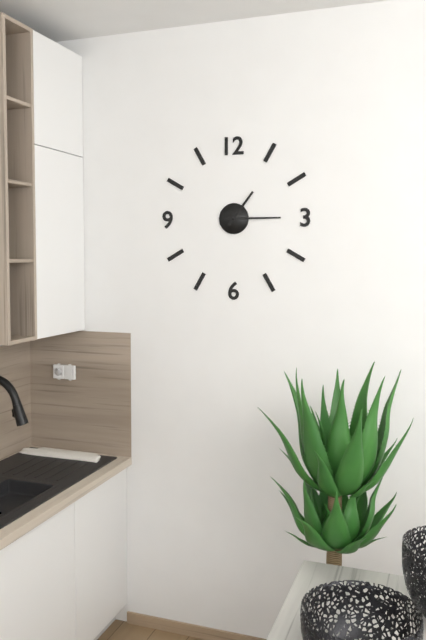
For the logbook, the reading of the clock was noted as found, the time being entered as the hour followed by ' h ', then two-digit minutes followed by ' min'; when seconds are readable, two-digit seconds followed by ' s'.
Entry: 1 h 15 min
